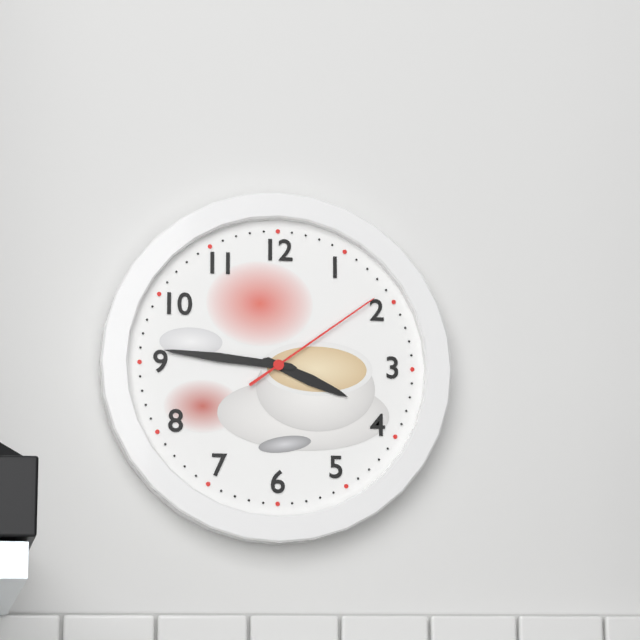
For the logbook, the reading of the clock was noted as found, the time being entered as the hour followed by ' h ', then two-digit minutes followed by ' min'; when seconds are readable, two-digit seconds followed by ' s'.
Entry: 3 h 46 min 09 s
